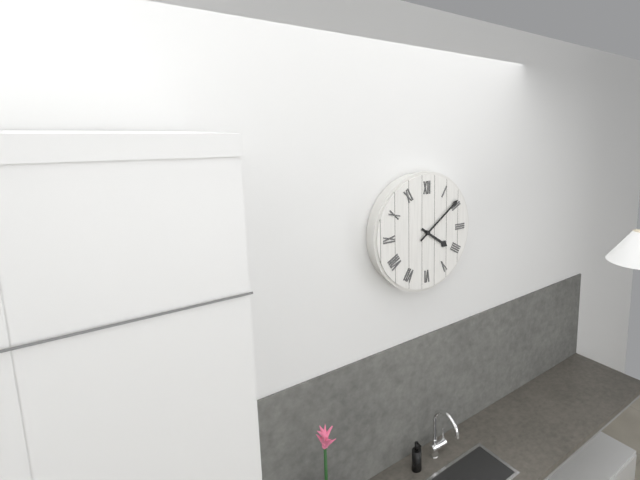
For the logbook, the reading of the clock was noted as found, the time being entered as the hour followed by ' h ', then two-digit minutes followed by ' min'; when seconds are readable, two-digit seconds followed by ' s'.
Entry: 4 h 09 min
